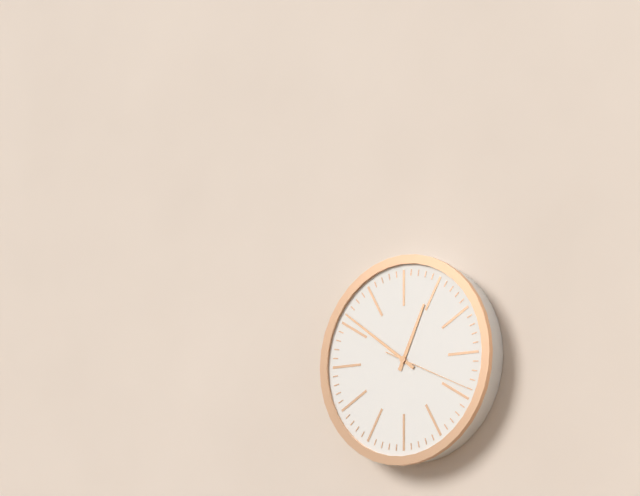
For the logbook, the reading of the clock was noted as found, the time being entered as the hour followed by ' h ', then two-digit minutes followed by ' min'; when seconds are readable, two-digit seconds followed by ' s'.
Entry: 12 h 51 min 19 s
